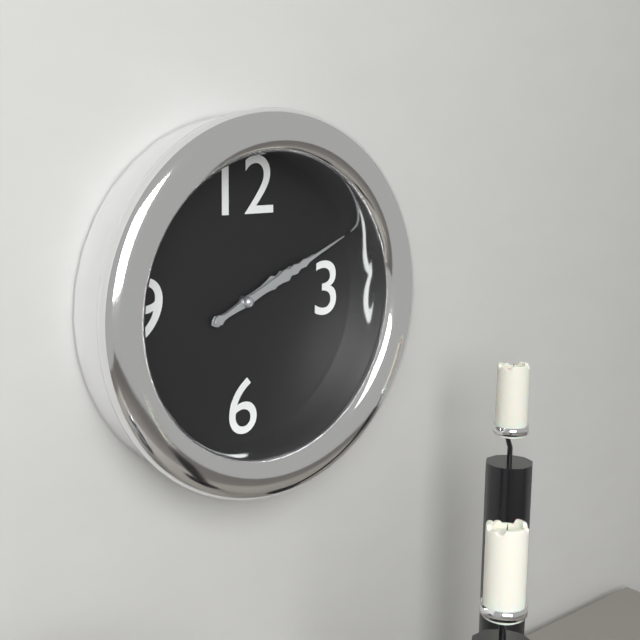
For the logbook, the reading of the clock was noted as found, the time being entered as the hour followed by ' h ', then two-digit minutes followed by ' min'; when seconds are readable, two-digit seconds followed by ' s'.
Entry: 2 h 11 min
